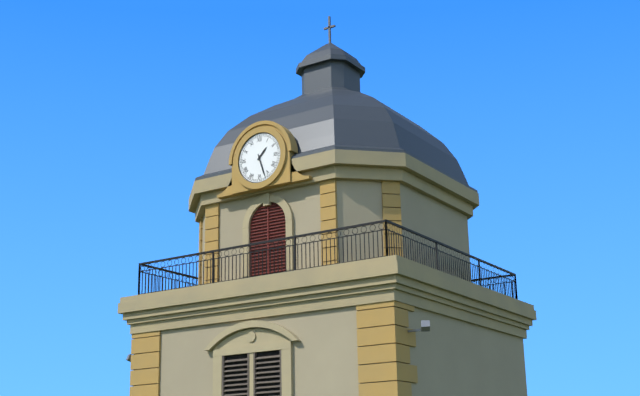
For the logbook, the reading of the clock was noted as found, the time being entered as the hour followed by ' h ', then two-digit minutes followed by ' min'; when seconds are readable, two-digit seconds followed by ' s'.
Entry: 1 h 27 min
